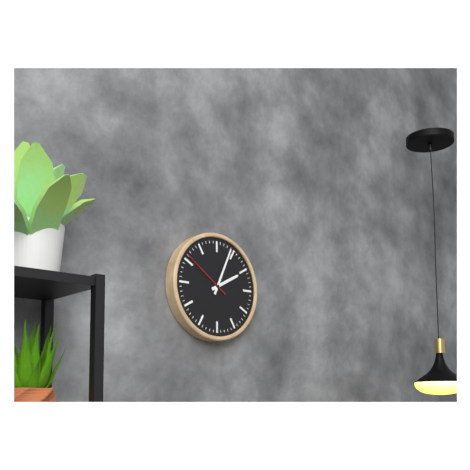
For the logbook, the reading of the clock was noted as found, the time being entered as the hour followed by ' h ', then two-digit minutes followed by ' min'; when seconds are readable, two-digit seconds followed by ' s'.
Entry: 2 h 04 min 51 s
